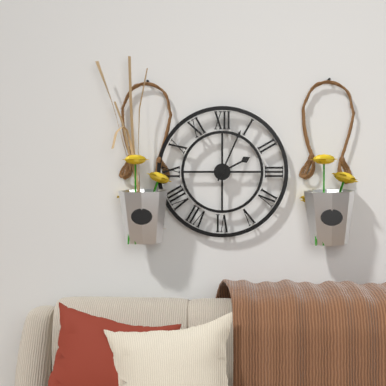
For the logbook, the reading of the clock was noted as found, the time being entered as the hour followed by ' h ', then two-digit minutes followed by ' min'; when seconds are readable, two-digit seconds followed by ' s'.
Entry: 2 h 04 min
